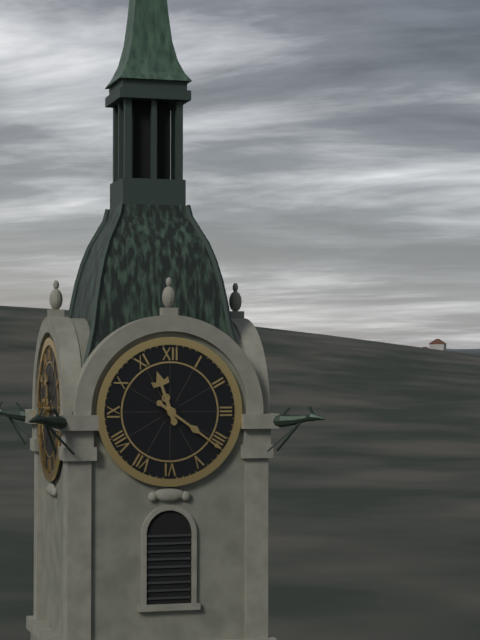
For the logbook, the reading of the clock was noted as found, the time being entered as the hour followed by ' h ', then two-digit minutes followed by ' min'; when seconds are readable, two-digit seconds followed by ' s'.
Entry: 11 h 21 min
